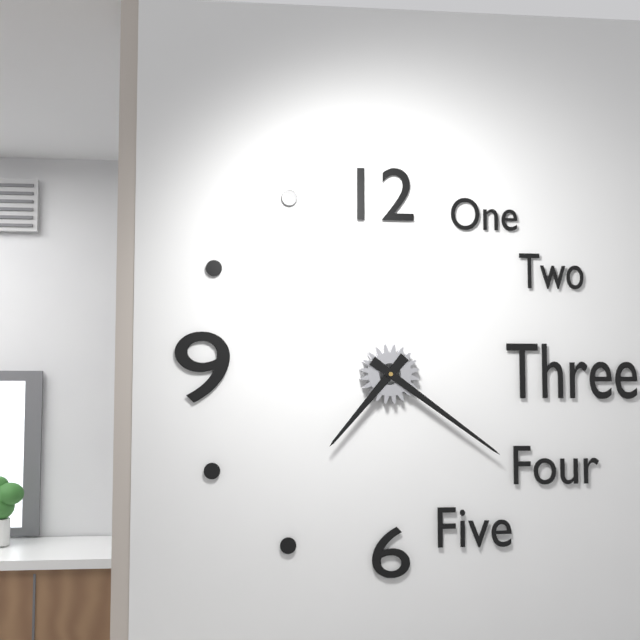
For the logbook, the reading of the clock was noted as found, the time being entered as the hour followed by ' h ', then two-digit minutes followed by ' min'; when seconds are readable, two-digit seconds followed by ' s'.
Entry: 7 h 21 min
